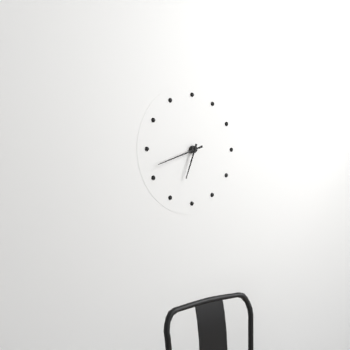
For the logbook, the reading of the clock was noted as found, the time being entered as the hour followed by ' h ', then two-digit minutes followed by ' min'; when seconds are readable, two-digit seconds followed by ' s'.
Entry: 6 h 42 min
